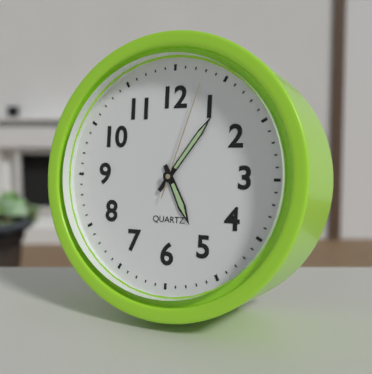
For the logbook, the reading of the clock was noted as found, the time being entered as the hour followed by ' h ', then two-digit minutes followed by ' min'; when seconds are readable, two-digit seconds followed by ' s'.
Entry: 5 h 06 min 03 s
